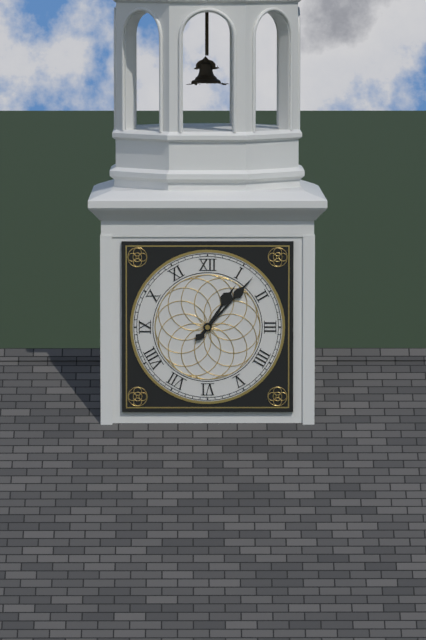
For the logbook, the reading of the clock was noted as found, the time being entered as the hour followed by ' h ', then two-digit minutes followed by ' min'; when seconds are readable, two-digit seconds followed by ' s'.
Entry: 1 h 07 min
